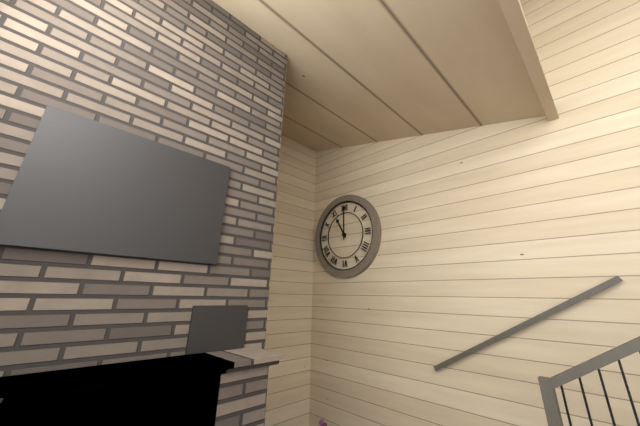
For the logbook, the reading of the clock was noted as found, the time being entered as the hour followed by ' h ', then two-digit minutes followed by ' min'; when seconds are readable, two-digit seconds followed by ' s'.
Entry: 11 h 00 min
